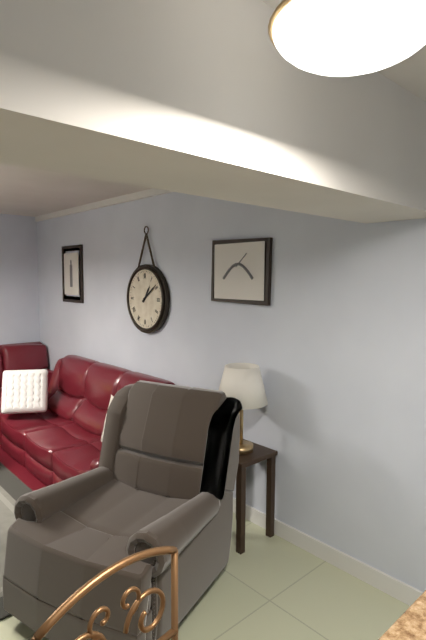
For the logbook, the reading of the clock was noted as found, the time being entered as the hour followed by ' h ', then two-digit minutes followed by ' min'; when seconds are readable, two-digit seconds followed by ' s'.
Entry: 1 h 09 min
